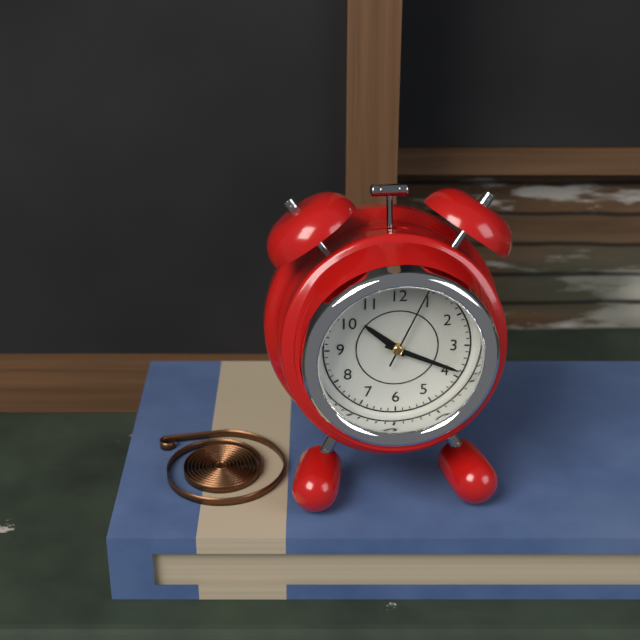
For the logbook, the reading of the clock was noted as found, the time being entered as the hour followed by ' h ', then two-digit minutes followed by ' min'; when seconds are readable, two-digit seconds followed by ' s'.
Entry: 10 h 19 min 04 s
